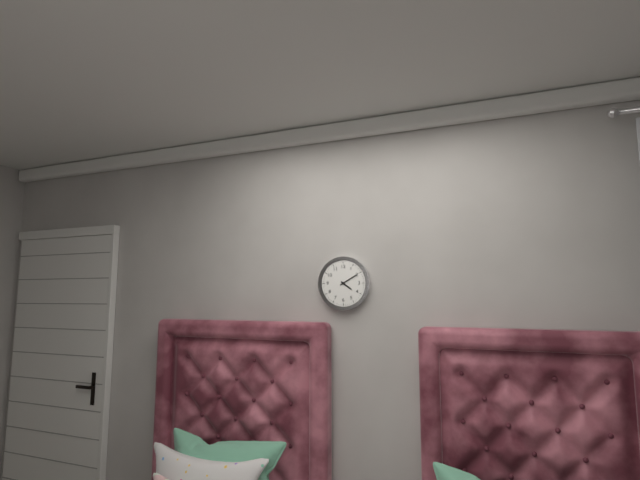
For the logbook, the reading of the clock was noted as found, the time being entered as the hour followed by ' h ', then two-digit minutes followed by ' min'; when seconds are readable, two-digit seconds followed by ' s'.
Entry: 4 h 10 min
